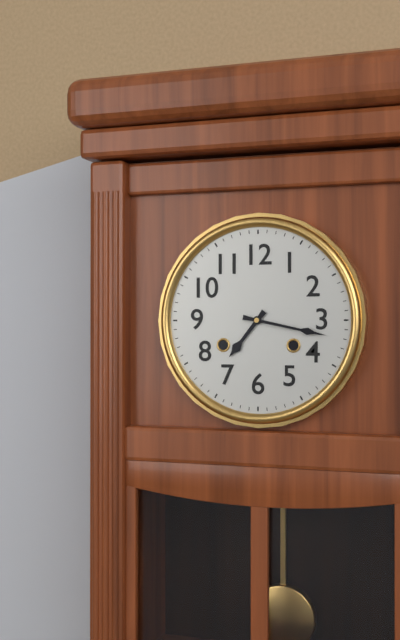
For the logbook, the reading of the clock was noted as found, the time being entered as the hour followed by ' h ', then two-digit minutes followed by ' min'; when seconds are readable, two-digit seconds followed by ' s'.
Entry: 7 h 17 min
